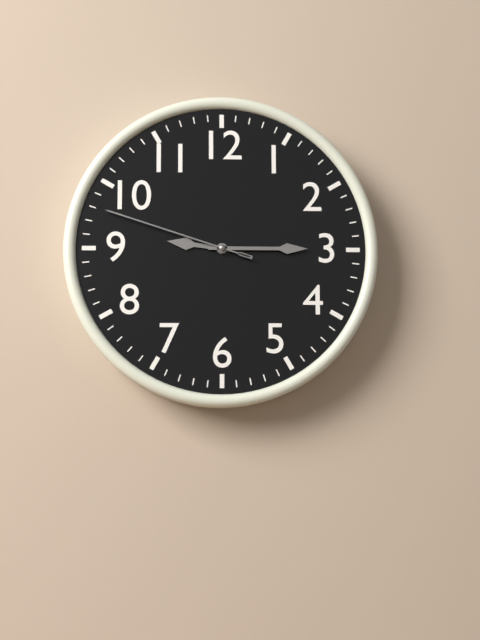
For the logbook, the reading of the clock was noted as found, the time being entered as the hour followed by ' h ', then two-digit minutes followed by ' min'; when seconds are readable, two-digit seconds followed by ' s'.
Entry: 9 h 15 min 48 s
